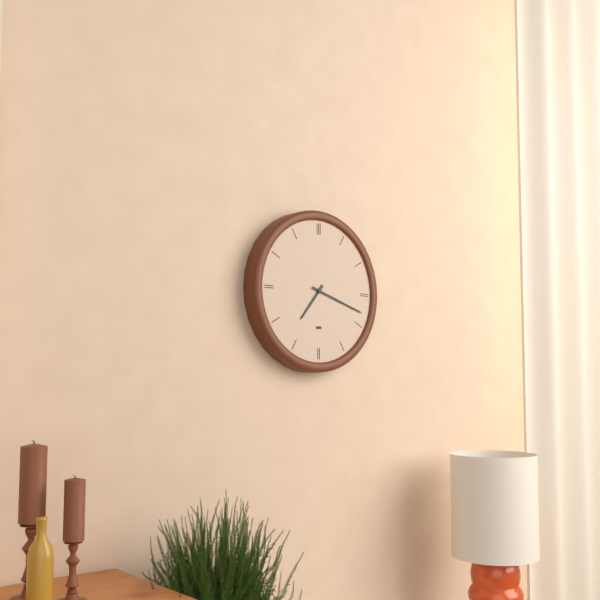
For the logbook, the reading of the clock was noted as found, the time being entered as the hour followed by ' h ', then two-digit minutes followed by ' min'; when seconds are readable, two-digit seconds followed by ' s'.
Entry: 7 h 18 min
